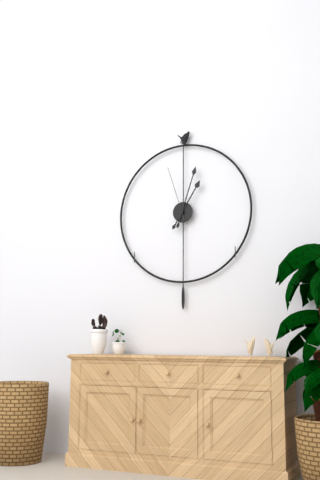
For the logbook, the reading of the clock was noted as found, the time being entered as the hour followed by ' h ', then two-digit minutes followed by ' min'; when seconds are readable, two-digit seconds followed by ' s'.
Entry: 1 h 03 min 57 s
